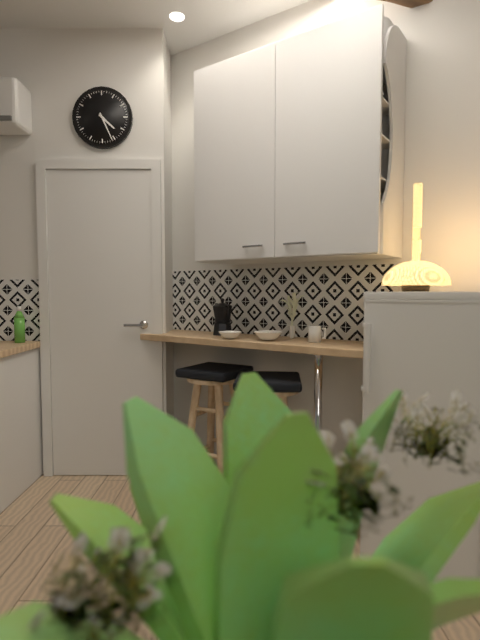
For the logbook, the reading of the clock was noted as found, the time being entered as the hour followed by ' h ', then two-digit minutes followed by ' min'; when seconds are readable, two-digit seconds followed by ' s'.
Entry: 4 h 26 min
